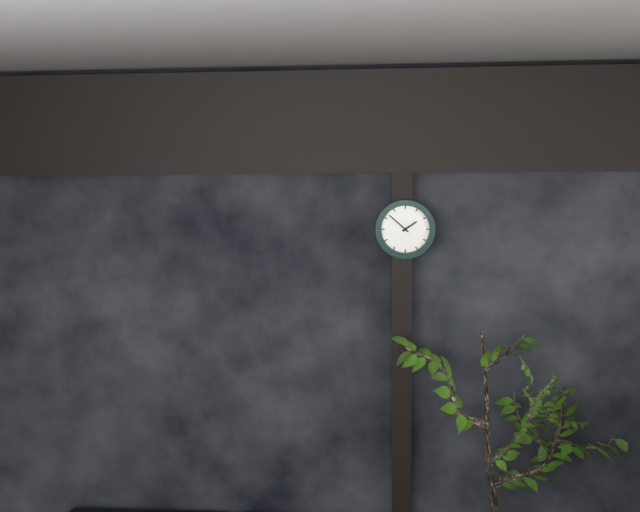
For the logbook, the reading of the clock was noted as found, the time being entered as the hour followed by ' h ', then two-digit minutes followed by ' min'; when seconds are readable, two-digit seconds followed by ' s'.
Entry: 1 h 52 min
